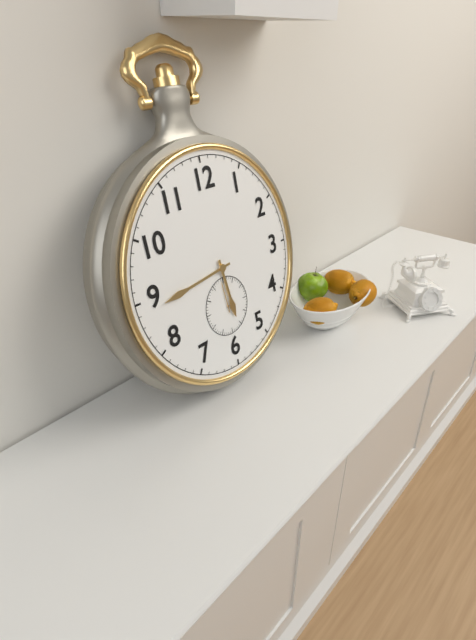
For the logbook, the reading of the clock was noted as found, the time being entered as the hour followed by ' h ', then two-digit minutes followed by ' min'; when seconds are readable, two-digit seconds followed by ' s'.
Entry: 5 h 44 min
